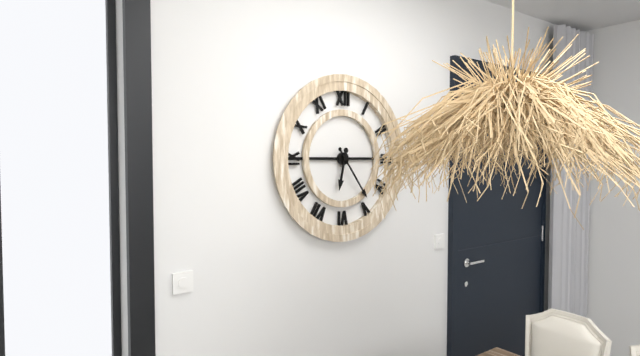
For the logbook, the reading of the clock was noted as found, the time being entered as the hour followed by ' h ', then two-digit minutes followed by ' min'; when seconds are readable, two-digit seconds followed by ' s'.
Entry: 6 h 24 min
